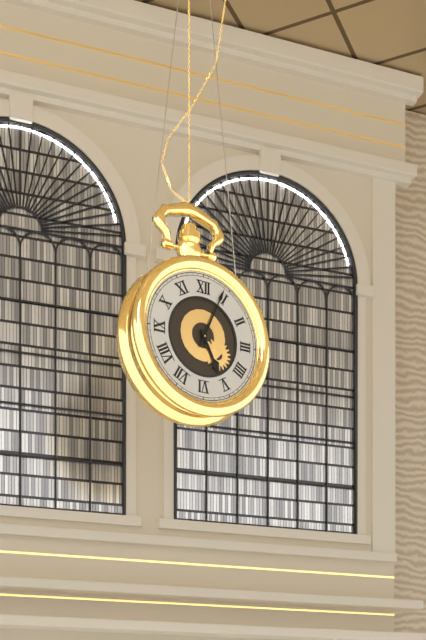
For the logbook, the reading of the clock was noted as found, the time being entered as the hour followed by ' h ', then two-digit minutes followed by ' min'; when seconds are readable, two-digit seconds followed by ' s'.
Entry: 5 h 04 min
